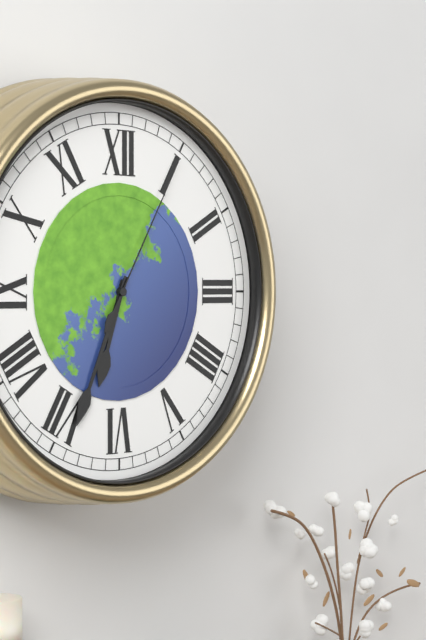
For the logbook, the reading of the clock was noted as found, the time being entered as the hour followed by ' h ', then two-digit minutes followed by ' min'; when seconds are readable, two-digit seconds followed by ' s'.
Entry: 6 h 34 min 05 s
